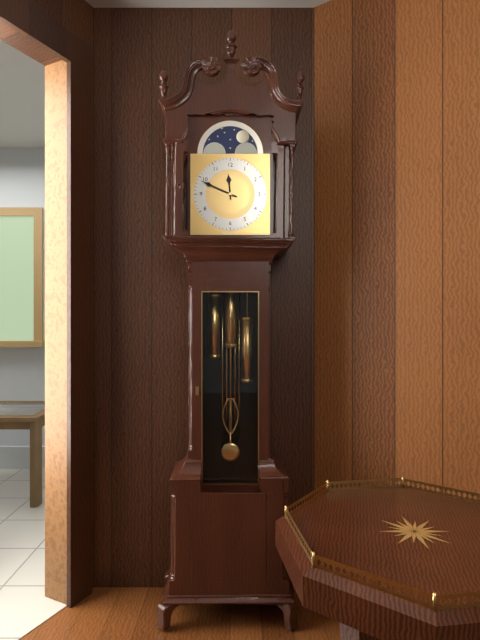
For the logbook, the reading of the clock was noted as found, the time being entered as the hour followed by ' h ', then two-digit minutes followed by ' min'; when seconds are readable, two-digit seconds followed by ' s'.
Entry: 11 h 49 min
